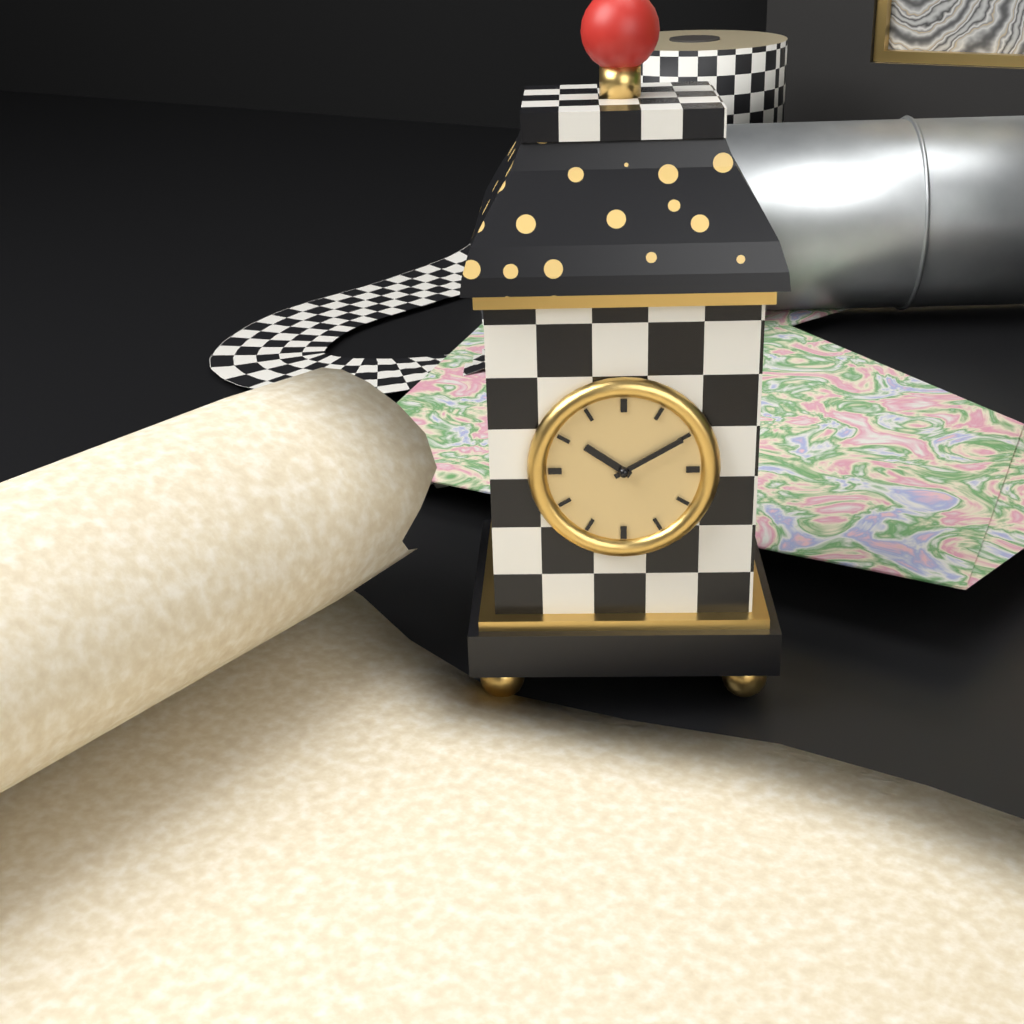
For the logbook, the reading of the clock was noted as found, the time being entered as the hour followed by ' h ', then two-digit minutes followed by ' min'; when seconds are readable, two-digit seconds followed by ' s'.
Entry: 10 h 10 min
